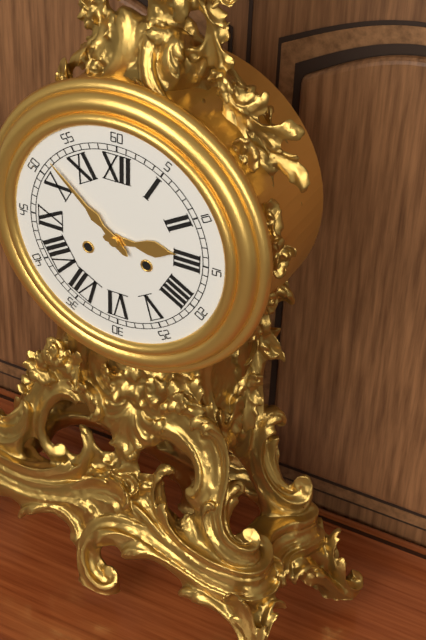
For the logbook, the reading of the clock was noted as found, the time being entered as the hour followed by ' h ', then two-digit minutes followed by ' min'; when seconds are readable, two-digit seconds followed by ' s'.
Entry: 2 h 52 min
